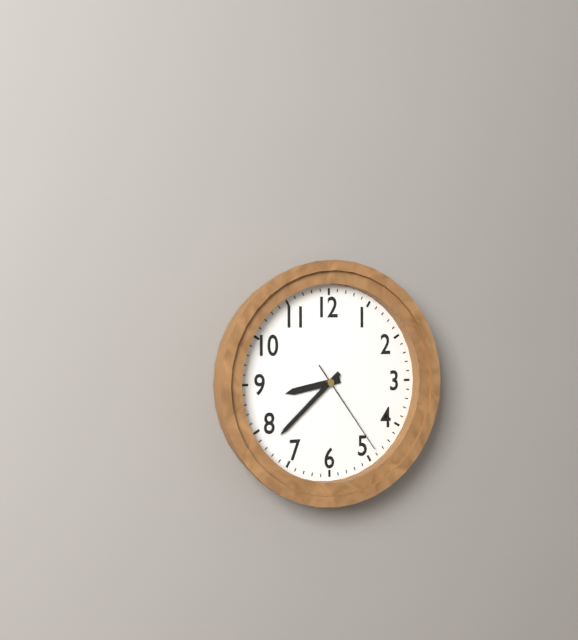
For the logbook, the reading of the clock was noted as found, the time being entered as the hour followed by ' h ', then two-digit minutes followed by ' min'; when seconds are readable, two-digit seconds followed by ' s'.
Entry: 8 h 38 min 24 s
